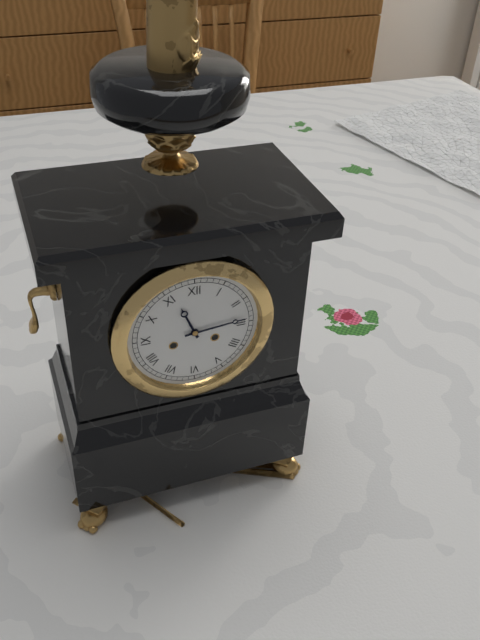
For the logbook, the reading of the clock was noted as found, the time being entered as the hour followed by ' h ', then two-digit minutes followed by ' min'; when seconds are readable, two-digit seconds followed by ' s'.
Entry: 11 h 14 min
